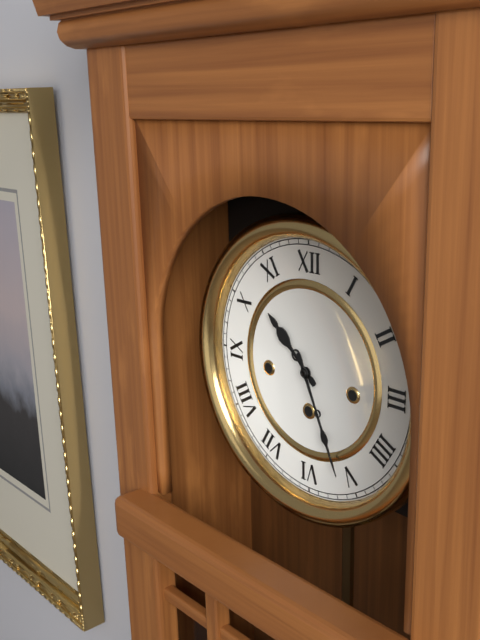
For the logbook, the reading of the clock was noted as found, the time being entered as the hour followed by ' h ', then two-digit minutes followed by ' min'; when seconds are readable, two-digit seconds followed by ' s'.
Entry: 10 h 26 min
